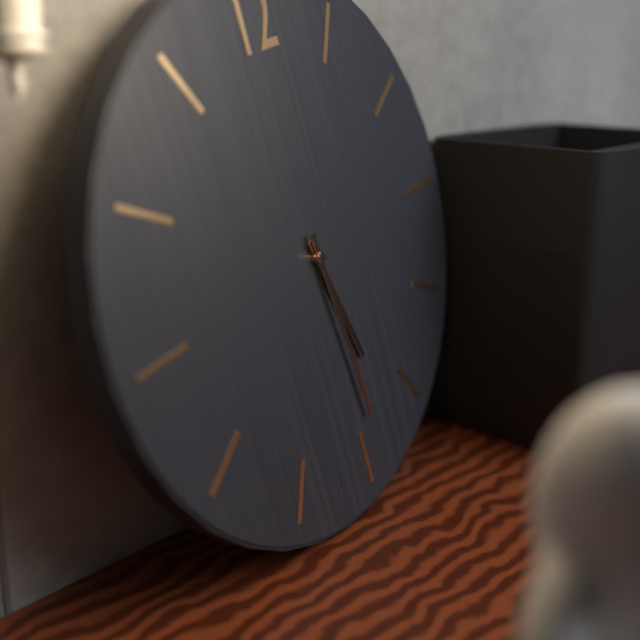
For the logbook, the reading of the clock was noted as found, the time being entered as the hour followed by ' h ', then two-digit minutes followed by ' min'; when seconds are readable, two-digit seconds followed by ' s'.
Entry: 5 h 29 min
